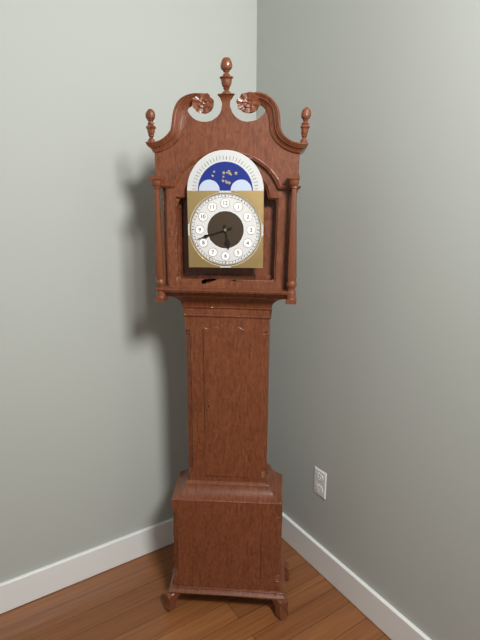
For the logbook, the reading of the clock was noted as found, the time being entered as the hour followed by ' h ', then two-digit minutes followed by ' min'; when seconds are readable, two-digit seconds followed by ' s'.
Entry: 5 h 42 min
